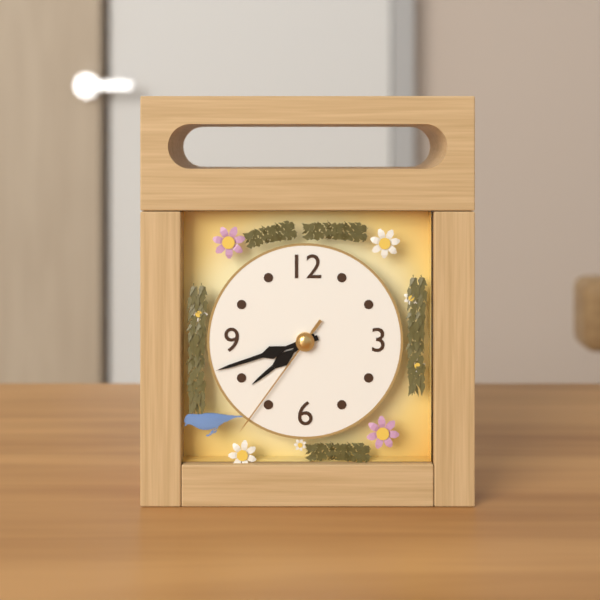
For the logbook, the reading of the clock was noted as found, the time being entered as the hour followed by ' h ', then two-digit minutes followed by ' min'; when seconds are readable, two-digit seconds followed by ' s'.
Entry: 7 h 42 min 36 s
